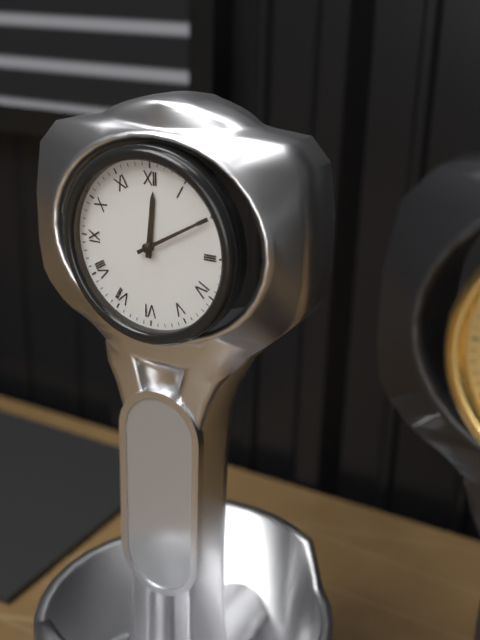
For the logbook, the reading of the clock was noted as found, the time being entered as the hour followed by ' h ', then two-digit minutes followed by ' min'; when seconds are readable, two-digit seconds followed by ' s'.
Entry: 12 h 10 min
